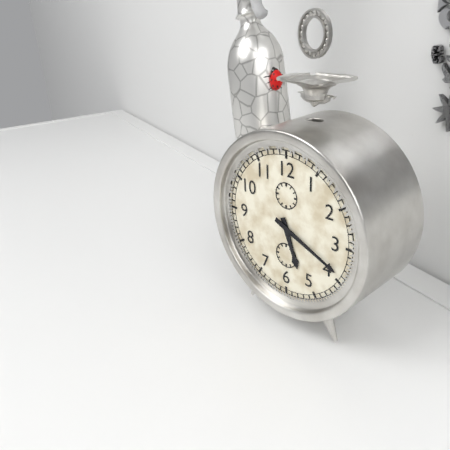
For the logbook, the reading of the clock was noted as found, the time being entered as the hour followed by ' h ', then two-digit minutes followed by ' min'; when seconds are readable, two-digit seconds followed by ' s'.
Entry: 5 h 19 min
